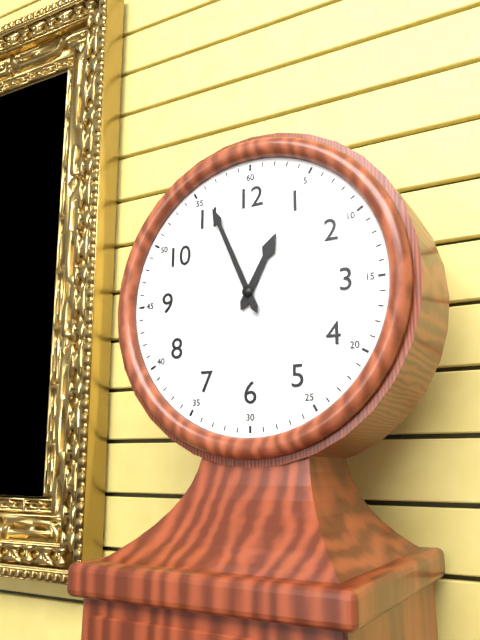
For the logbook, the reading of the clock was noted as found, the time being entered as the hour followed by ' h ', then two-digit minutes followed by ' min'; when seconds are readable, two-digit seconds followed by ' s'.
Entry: 12 h 56 min
